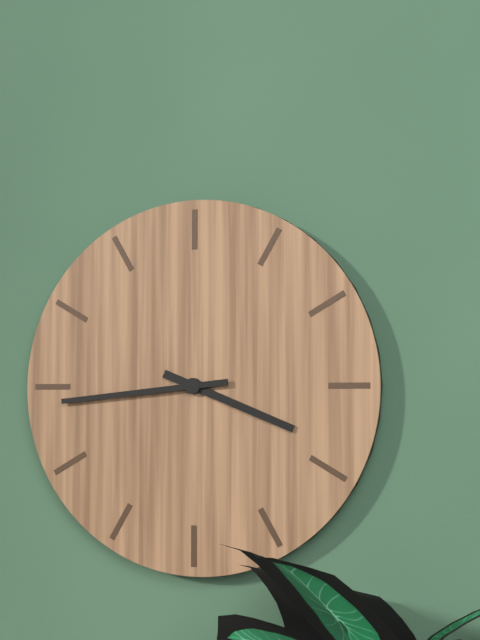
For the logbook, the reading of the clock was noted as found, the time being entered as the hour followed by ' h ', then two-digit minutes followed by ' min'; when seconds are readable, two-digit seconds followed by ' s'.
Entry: 3 h 44 min
